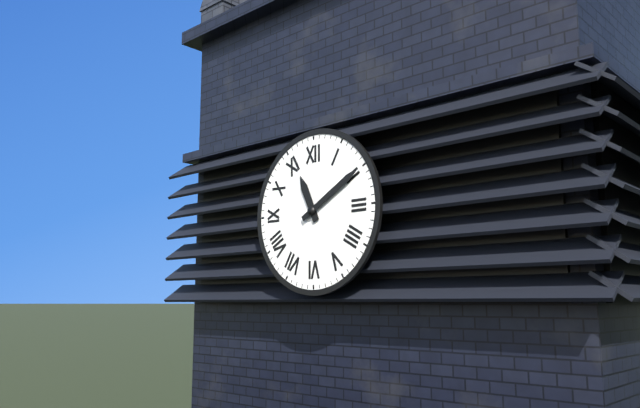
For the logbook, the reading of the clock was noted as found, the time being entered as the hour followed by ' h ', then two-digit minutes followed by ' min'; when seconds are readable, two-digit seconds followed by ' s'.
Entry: 11 h 10 min
